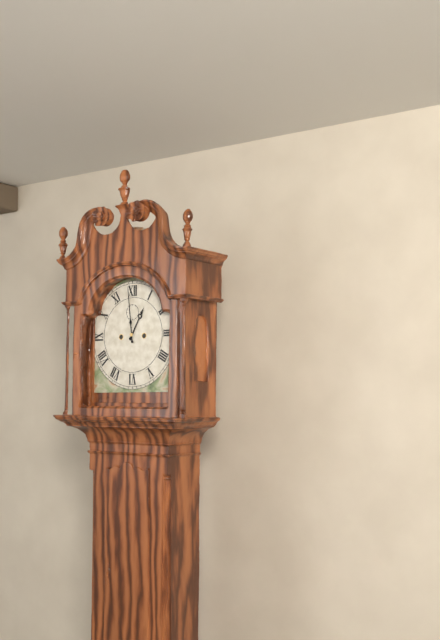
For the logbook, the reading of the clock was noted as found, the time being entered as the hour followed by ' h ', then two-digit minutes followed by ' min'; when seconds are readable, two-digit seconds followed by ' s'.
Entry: 12 h 59 min
